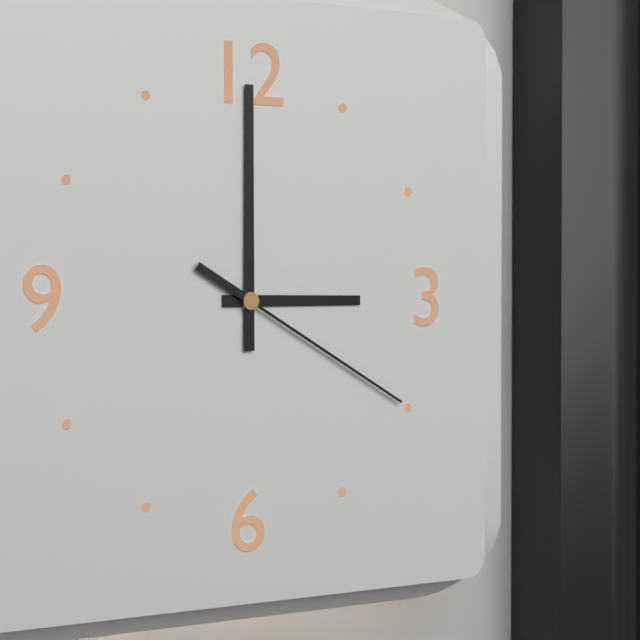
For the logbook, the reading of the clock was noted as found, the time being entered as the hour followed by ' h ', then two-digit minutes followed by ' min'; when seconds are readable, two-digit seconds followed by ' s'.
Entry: 3 h 00 min 20 s
